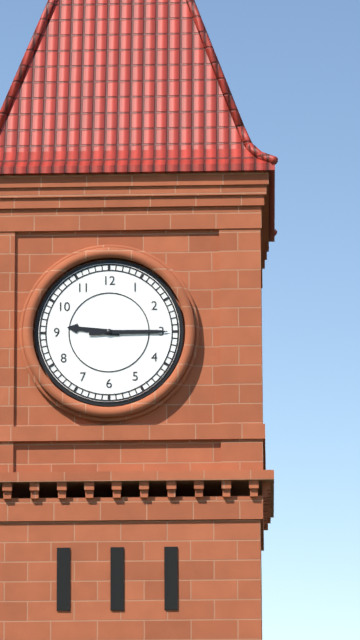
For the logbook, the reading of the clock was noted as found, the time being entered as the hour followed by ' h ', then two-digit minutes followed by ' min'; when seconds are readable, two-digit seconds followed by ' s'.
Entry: 9 h 15 min
